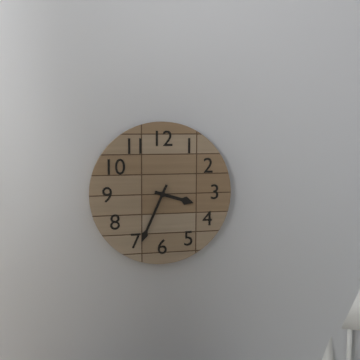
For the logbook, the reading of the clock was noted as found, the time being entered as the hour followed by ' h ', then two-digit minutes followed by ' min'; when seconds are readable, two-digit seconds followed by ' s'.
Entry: 3 h 34 min
